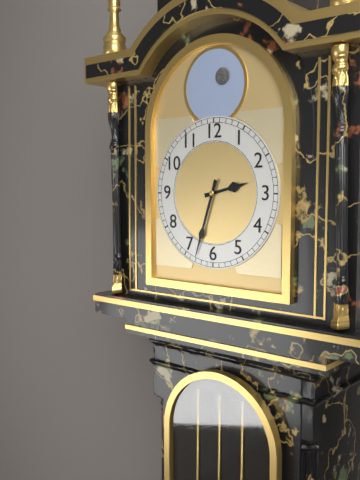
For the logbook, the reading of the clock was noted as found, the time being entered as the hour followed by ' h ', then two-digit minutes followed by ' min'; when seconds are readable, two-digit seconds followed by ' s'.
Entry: 2 h 33 min
